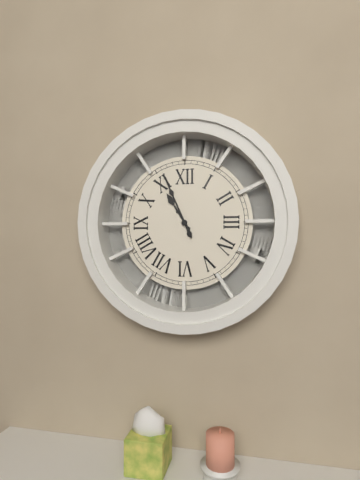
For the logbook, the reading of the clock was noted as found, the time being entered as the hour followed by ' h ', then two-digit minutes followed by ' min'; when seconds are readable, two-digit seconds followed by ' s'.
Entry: 10 h 56 min
